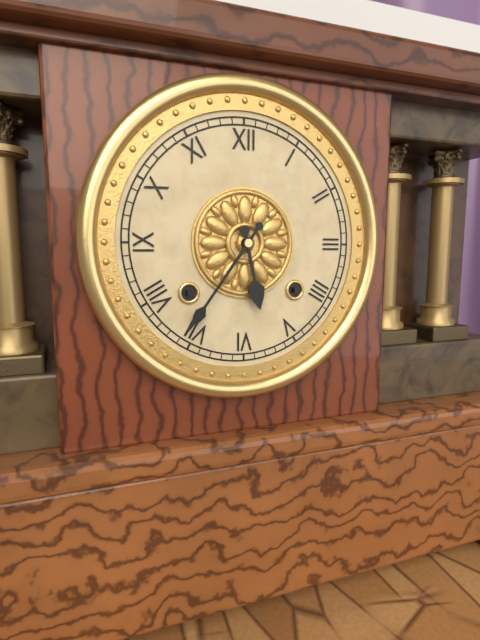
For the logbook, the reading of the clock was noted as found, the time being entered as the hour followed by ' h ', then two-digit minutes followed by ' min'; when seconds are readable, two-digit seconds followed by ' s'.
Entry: 5 h 36 min
